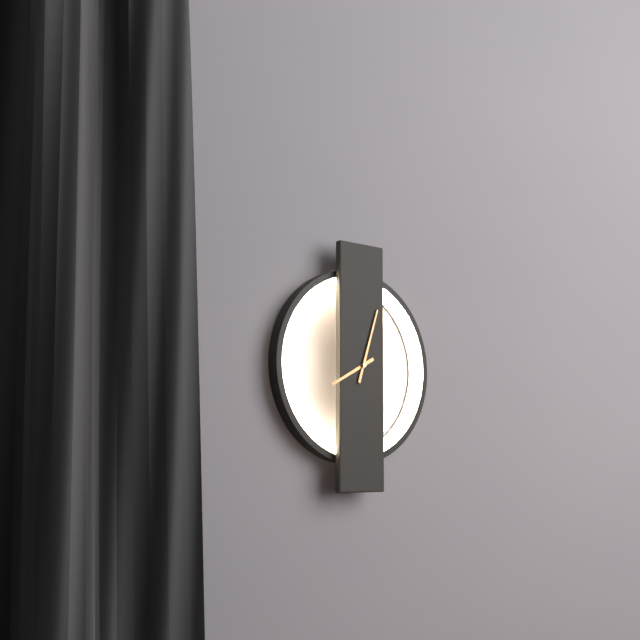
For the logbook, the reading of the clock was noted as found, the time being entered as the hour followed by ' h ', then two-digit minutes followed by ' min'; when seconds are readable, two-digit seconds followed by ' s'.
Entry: 8 h 03 min
